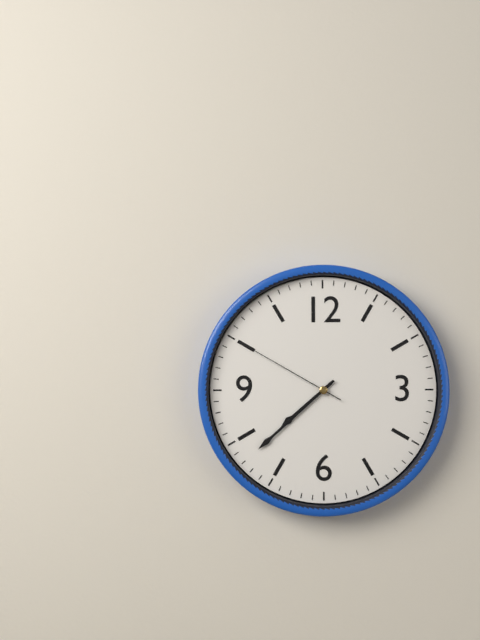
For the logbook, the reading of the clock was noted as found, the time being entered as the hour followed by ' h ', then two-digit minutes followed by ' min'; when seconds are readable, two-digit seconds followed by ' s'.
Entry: 7 h 38 min 50 s
